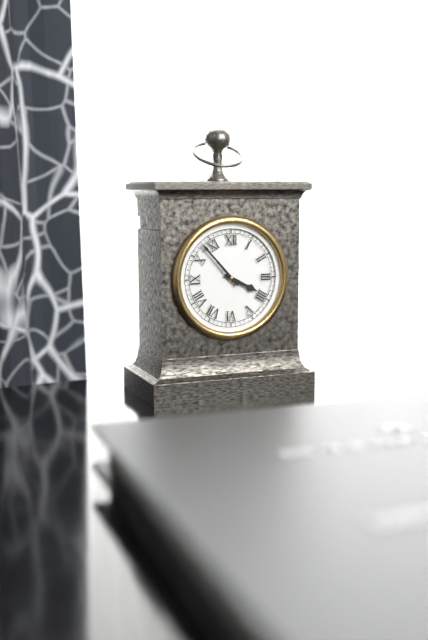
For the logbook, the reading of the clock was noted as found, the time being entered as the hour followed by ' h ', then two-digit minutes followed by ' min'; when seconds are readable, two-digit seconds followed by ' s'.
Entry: 3 h 53 min
